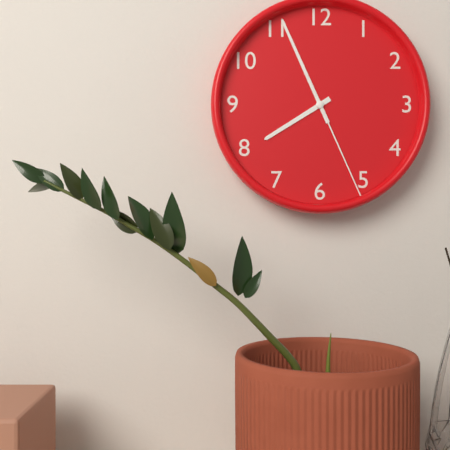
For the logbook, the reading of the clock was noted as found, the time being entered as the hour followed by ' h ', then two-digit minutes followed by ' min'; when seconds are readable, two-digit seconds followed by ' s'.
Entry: 7 h 56 min 26 s
